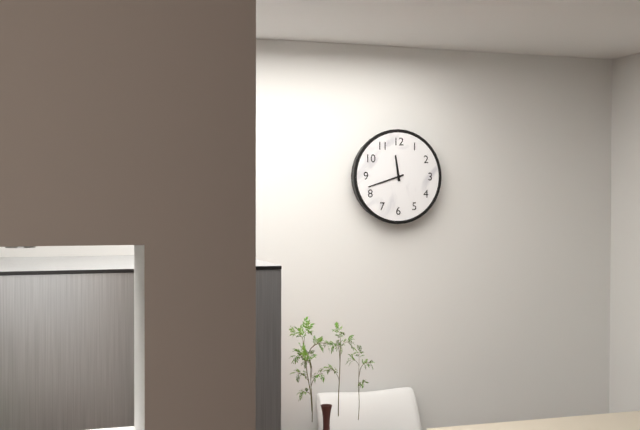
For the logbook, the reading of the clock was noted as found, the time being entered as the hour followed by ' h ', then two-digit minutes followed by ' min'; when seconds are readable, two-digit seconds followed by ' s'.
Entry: 11 h 42 min
